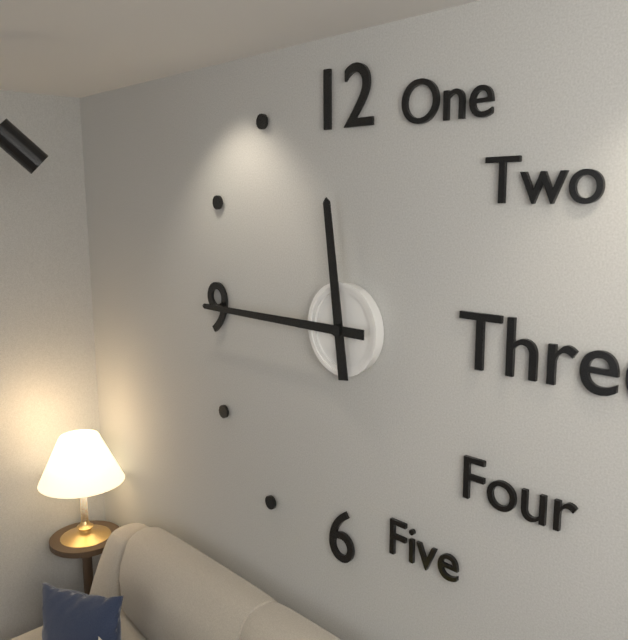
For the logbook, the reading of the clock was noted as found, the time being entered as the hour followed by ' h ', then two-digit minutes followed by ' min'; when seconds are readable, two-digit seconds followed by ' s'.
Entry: 11 h 45 min
